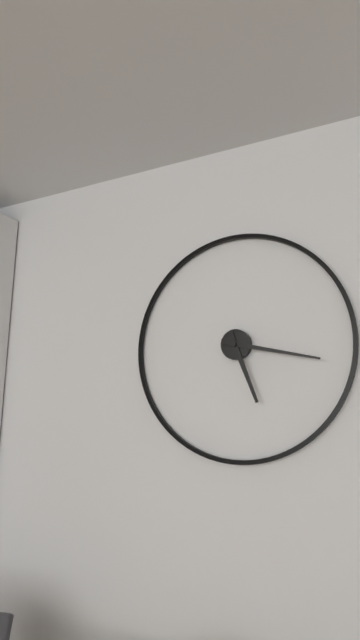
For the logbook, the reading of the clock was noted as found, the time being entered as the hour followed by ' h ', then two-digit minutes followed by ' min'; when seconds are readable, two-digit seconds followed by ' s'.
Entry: 5 h 17 min
